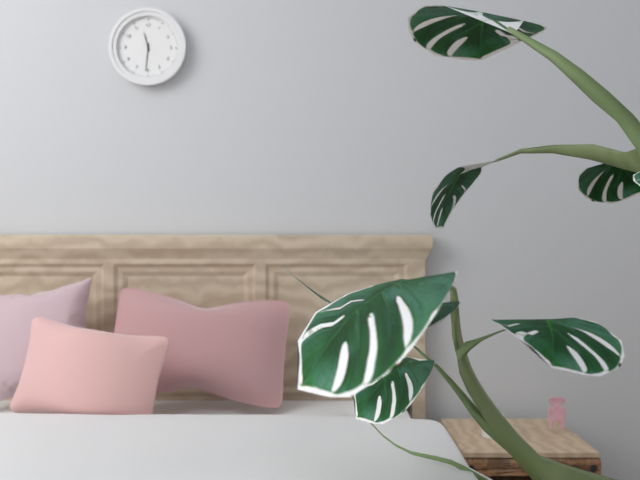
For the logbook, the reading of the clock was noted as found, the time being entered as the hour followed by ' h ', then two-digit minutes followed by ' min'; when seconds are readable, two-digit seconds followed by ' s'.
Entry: 11 h 31 min
